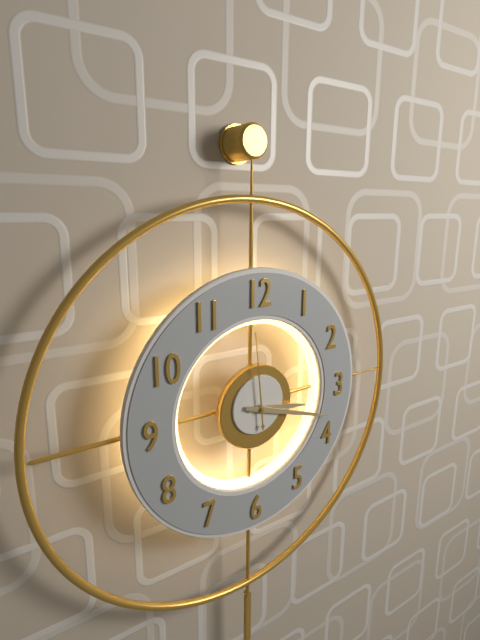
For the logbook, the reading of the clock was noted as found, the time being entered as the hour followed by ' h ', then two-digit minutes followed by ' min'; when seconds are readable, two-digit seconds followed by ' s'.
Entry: 3 h 18 min 59 s
